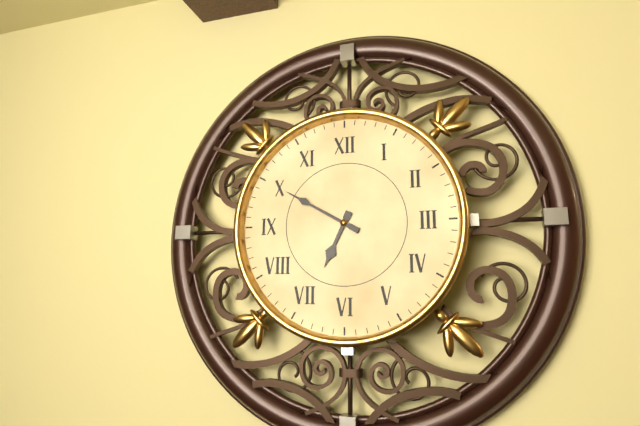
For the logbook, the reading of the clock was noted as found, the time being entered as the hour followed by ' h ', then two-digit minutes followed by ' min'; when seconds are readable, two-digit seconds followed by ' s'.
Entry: 6 h 50 min
